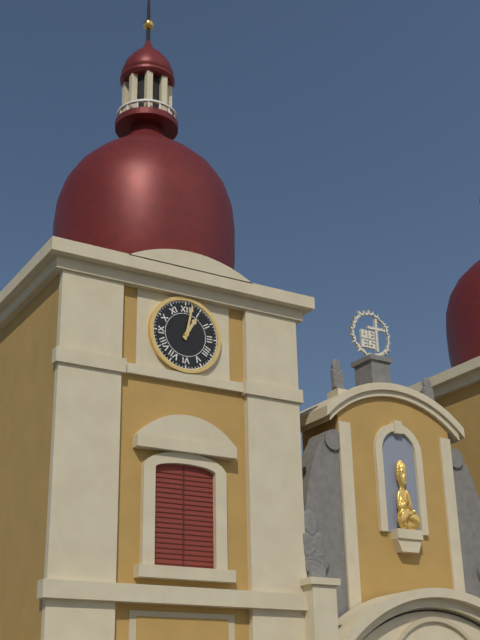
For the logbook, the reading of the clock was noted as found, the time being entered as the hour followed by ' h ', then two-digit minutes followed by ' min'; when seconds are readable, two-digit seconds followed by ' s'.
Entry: 1 h 02 min
